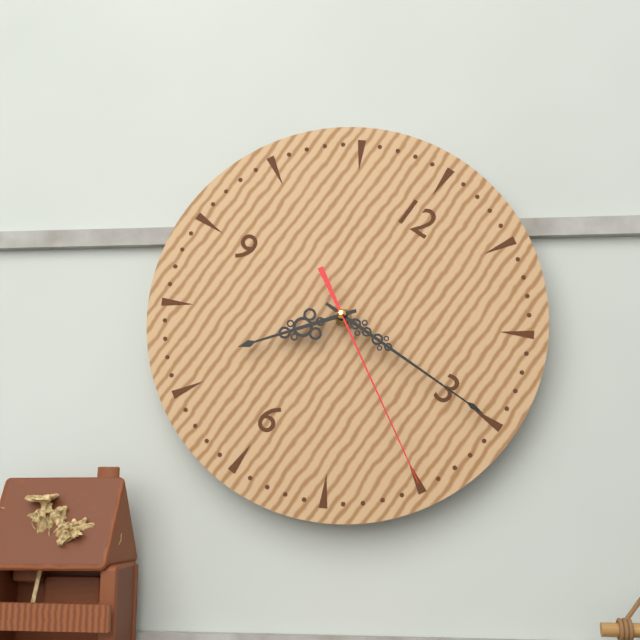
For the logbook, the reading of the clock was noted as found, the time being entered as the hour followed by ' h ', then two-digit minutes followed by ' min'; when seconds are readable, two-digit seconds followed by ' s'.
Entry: 7 h 15 min 20 s
